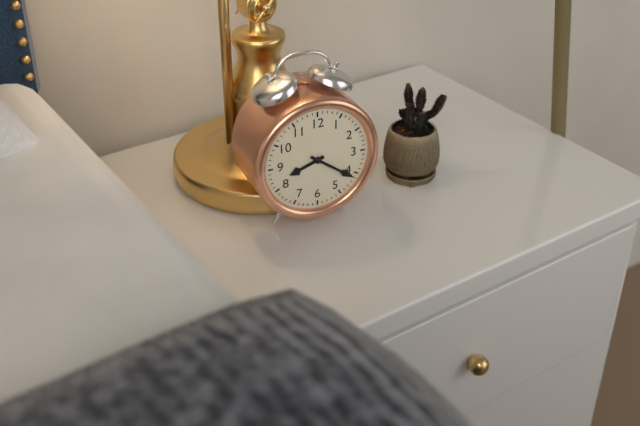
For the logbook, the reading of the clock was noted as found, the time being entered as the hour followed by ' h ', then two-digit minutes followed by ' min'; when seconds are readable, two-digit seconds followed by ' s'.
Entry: 8 h 21 min
